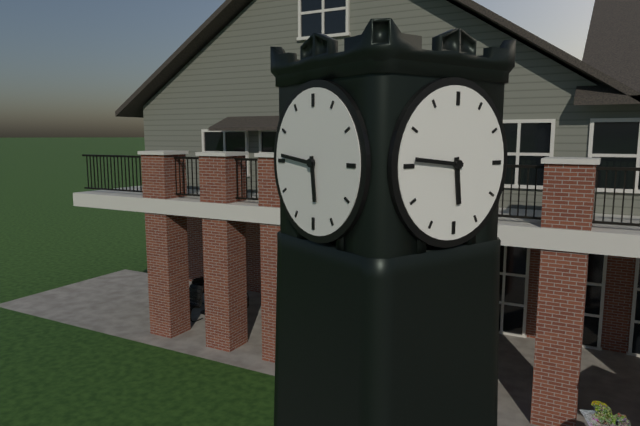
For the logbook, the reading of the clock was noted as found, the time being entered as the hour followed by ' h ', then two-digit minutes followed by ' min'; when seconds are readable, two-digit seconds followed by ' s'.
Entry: 5 h 46 min
